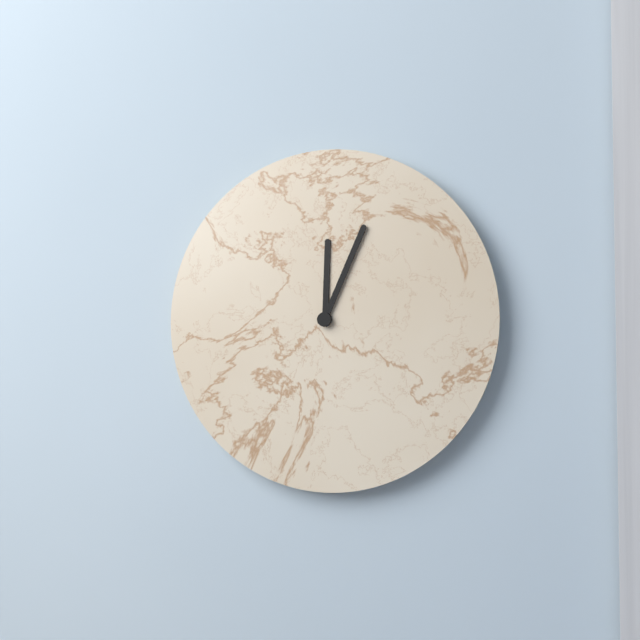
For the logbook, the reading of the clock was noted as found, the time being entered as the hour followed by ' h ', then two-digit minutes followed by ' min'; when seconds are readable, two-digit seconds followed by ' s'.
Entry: 12 h 04 min
